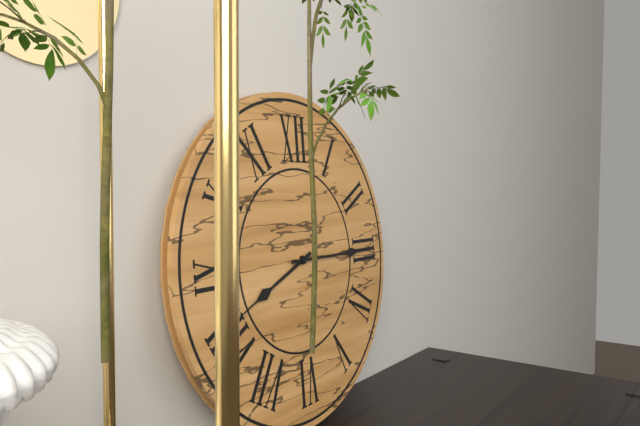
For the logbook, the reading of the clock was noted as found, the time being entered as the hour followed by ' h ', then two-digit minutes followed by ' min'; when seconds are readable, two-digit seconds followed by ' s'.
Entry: 8 h 15 min
